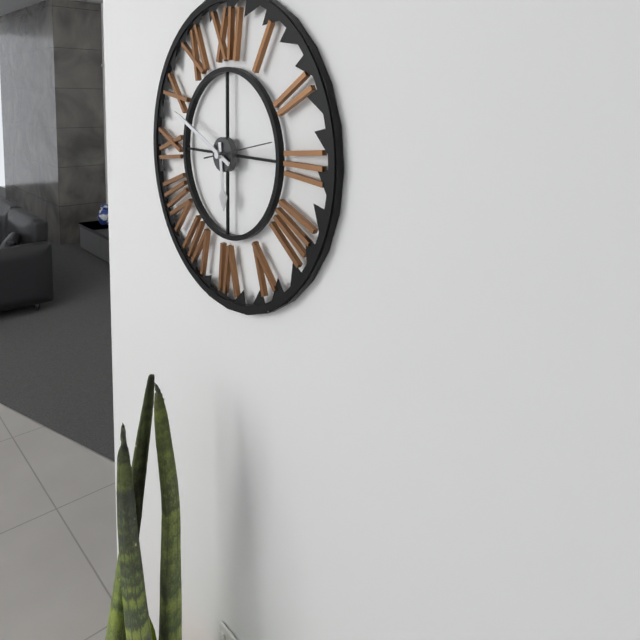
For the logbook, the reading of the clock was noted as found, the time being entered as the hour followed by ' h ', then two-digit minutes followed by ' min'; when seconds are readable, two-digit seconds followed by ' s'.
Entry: 5 h 49 min
